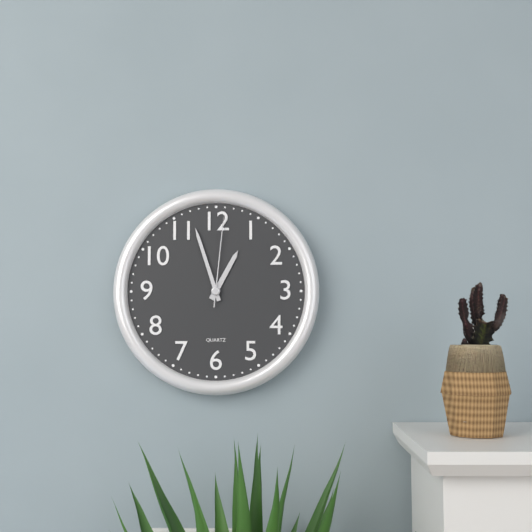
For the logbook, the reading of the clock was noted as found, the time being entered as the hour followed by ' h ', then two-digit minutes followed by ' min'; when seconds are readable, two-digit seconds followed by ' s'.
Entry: 12 h 57 min 01 s
